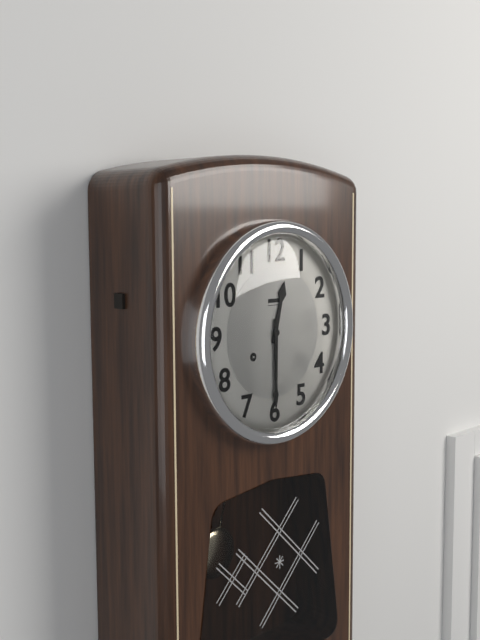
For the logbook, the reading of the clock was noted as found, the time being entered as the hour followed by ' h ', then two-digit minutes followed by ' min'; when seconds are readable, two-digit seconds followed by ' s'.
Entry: 12 h 30 min
